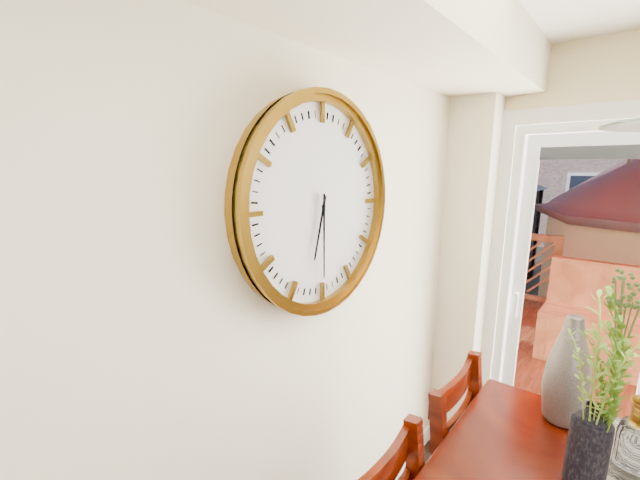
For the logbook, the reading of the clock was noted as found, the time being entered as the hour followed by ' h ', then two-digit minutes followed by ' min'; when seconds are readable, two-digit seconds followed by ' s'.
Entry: 6 h 30 min
